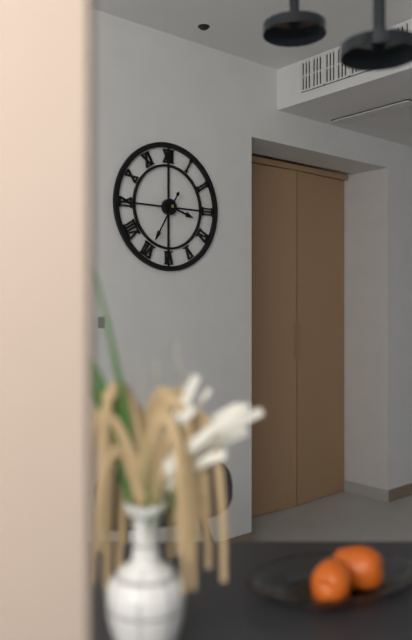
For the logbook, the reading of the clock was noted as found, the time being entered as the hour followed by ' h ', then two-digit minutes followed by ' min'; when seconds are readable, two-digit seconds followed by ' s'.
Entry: 3 h 35 min
